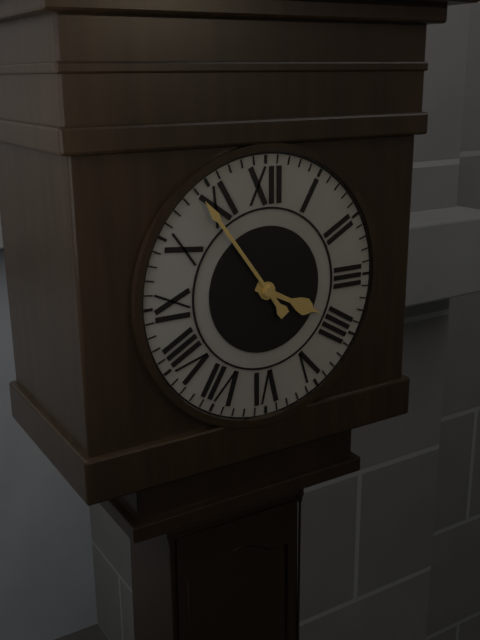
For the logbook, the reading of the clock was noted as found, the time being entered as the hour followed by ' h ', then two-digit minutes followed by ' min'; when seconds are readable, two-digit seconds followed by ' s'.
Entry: 3 h 54 min
